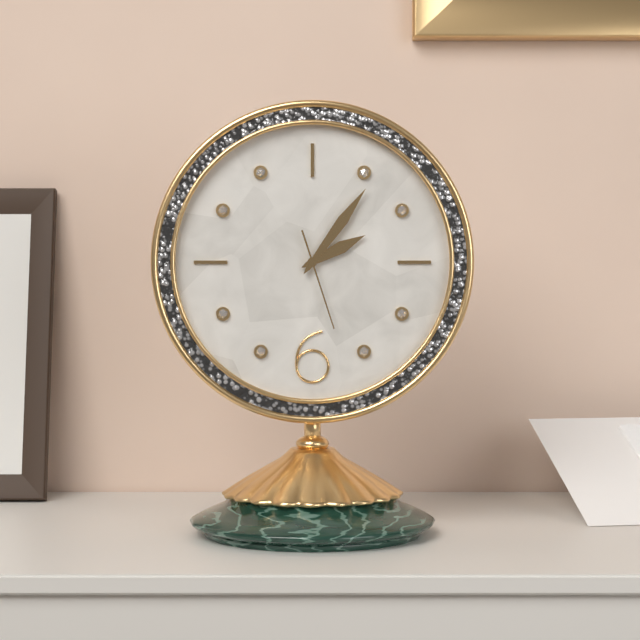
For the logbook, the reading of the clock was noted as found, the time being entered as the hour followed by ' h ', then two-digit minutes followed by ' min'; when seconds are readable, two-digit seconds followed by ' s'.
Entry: 2 h 06 min 27 s
